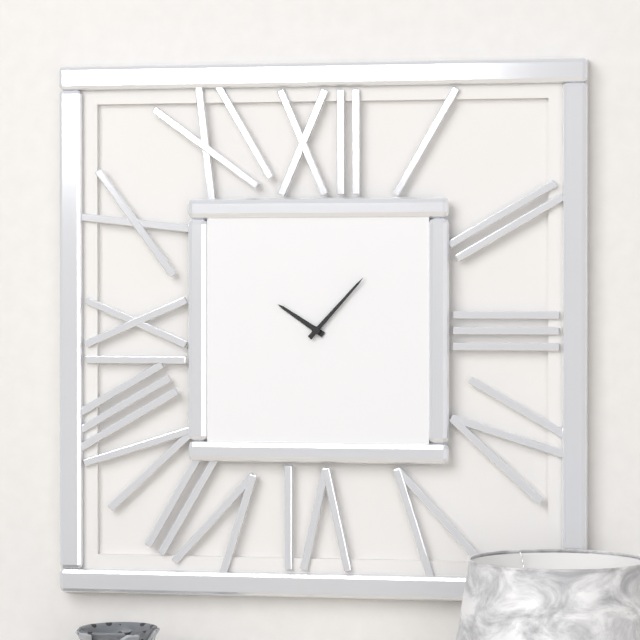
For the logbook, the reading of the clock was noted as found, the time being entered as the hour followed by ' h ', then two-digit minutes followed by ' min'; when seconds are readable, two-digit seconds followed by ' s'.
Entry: 10 h 07 min
